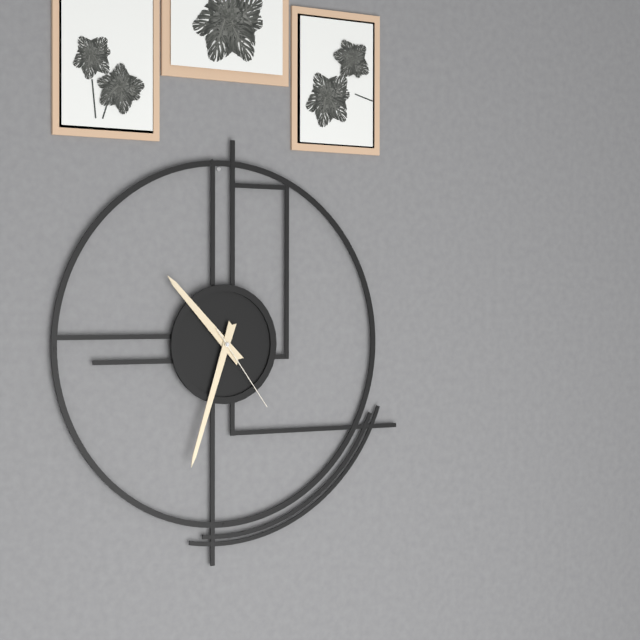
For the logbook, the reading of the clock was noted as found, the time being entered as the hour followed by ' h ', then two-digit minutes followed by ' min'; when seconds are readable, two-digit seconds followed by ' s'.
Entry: 10 h 33 min 24 s
